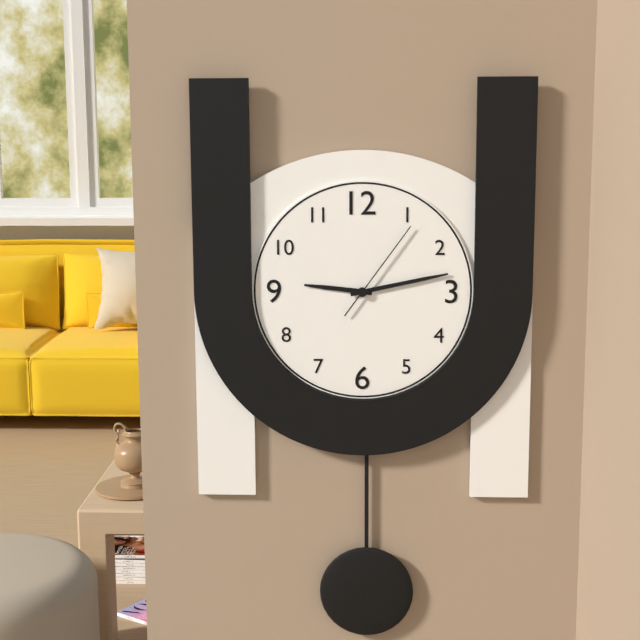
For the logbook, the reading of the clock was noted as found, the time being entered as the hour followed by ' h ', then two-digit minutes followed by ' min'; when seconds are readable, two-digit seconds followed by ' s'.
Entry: 9 h 13 min 06 s
